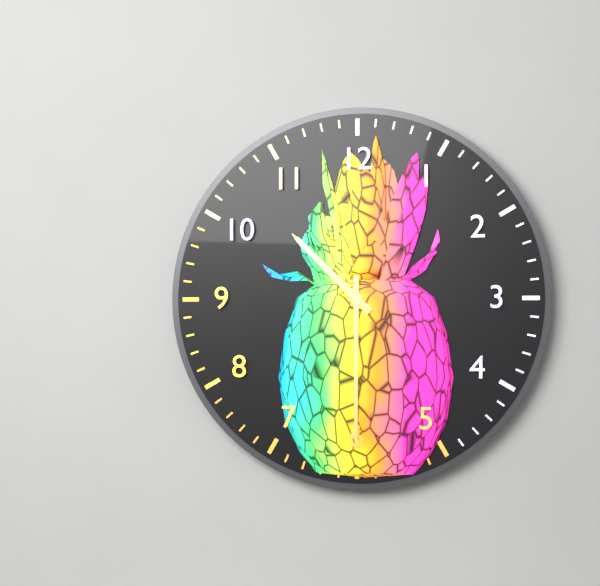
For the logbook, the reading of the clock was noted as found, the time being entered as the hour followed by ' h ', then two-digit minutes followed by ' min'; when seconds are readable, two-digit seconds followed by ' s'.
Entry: 10 h 30 min
